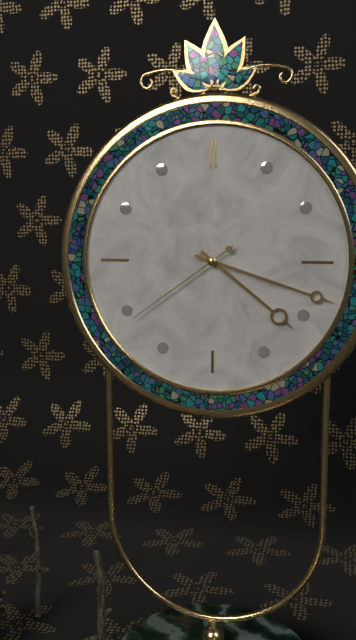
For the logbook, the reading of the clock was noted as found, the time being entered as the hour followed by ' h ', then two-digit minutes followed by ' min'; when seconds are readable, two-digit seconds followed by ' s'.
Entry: 4 h 18 min 39 s
